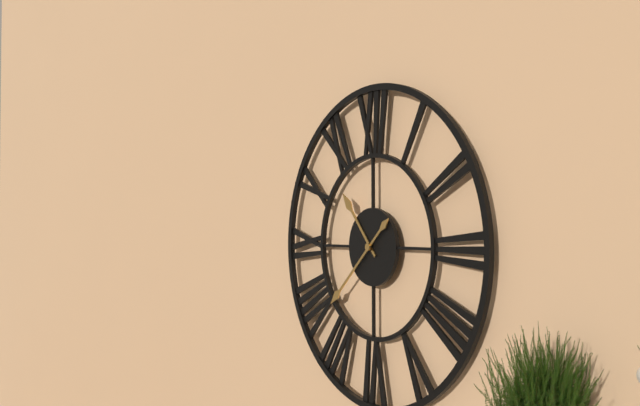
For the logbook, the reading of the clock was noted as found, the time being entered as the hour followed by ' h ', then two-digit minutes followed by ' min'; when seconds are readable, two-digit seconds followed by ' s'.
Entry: 10 h 38 min
